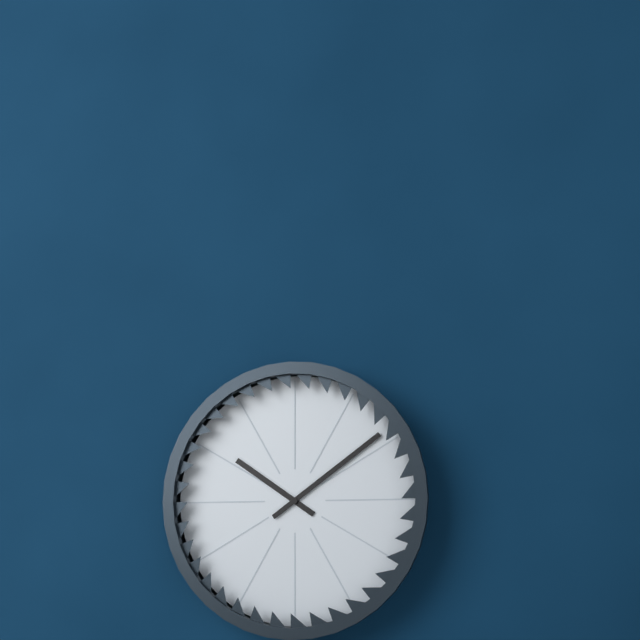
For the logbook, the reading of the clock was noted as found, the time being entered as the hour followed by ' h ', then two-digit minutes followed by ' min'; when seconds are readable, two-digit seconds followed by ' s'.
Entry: 10 h 09 min
